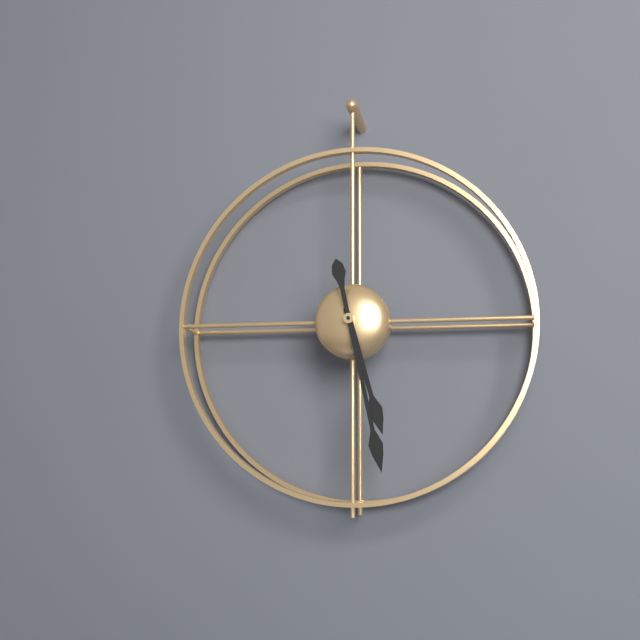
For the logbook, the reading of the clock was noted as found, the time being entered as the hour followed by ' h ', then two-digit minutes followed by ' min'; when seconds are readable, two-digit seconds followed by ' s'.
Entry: 5 h 28 min
